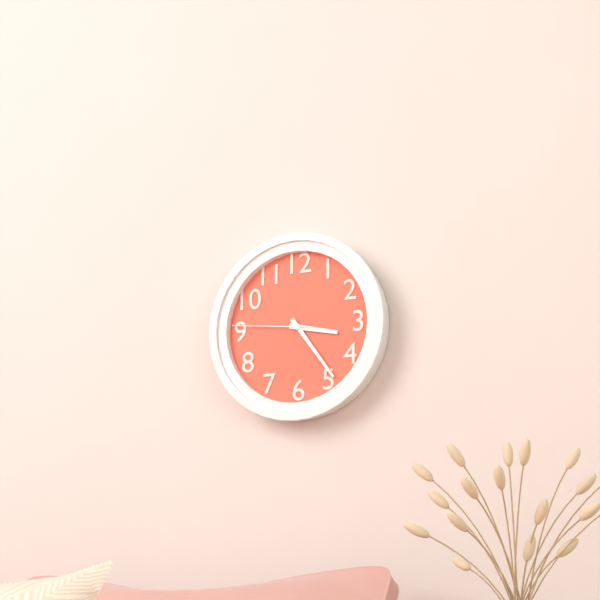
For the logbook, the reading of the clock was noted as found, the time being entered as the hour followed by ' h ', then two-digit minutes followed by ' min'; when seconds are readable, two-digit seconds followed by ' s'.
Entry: 3 h 24 min 46 s
